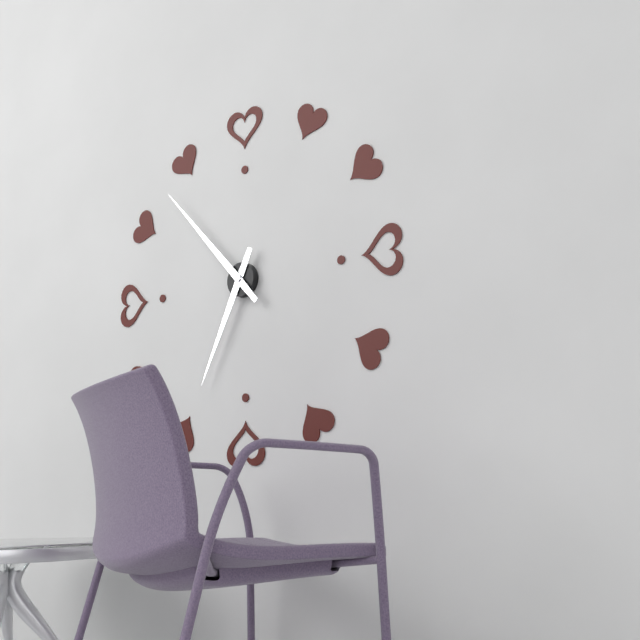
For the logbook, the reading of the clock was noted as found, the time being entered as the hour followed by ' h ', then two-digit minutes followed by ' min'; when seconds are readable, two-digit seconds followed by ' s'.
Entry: 6 h 53 min
